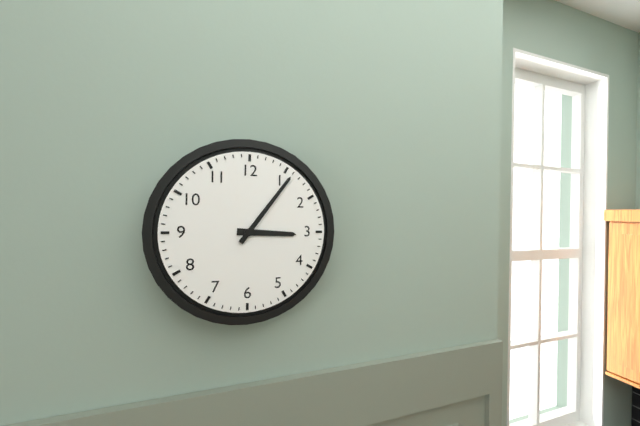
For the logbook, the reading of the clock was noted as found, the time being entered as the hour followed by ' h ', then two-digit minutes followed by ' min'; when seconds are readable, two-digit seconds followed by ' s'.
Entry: 3 h 06 min
